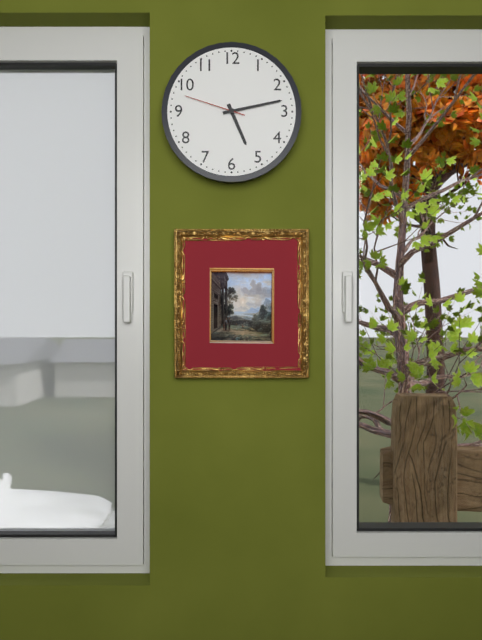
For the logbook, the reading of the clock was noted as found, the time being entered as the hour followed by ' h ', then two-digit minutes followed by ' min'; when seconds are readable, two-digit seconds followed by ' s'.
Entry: 5 h 13 min 48 s
